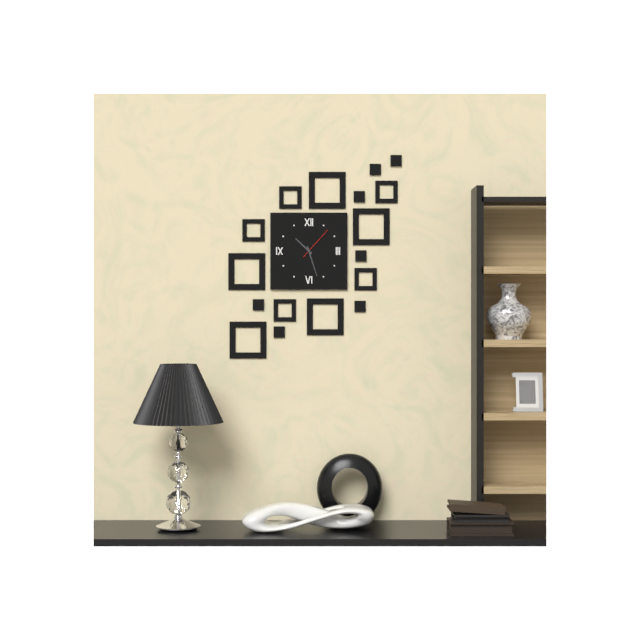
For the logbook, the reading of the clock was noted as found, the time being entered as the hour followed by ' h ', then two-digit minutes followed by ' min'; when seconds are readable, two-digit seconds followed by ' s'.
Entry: 10 h 27 min
